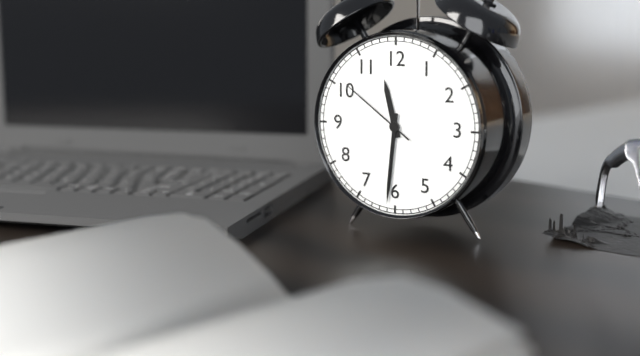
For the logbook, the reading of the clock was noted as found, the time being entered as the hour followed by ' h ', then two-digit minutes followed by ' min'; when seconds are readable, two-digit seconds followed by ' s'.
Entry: 11 h 31 min 51 s
